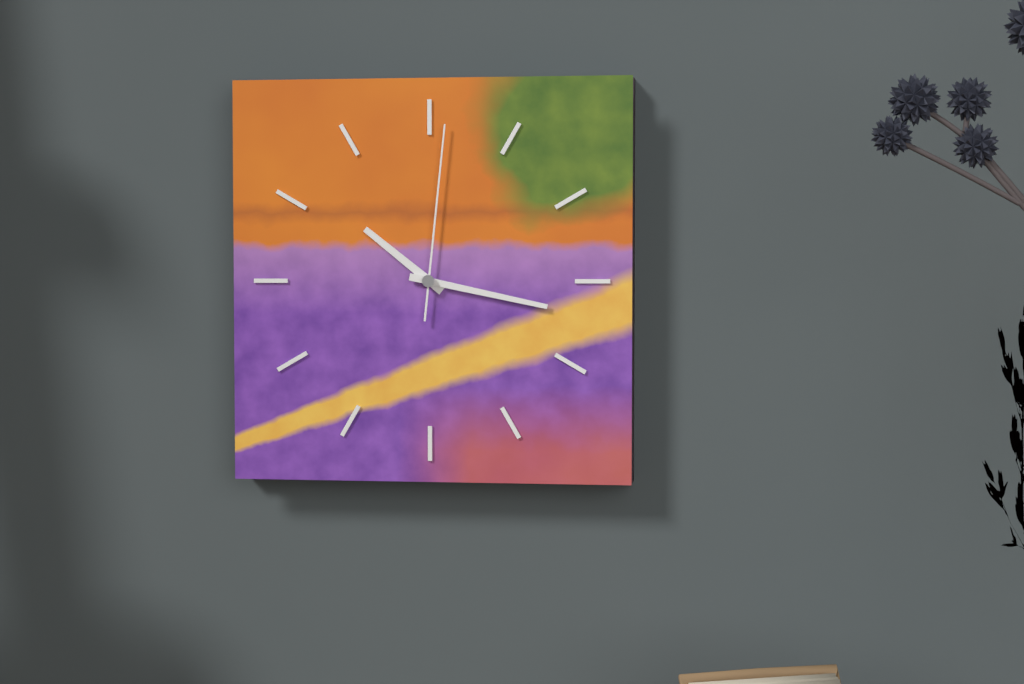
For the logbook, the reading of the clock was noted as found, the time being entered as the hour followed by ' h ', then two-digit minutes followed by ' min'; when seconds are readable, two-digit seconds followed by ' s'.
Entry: 10 h 17 min 01 s
